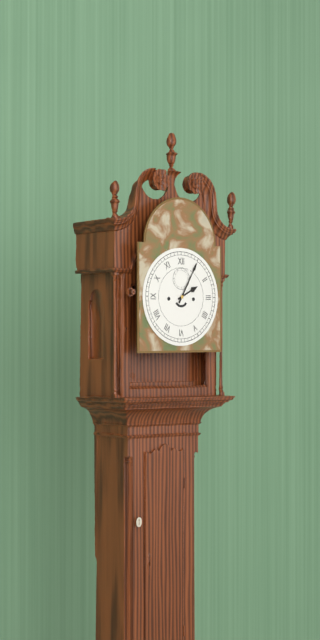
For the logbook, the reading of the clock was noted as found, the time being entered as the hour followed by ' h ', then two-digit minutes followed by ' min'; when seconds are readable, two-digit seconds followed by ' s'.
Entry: 2 h 05 min
